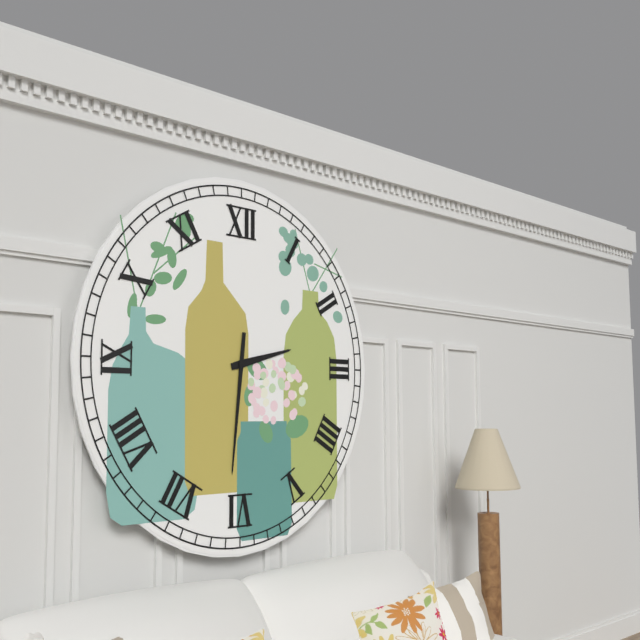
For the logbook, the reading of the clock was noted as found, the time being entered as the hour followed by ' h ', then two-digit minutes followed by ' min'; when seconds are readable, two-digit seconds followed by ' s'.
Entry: 2 h 31 min
